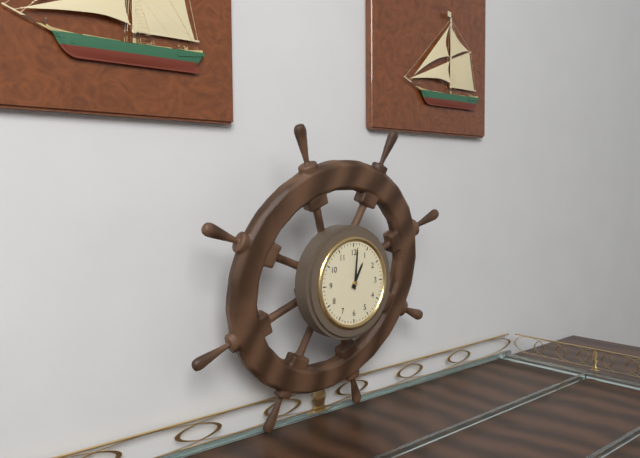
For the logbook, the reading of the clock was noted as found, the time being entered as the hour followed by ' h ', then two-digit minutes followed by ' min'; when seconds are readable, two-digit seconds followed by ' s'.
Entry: 1 h 01 min
